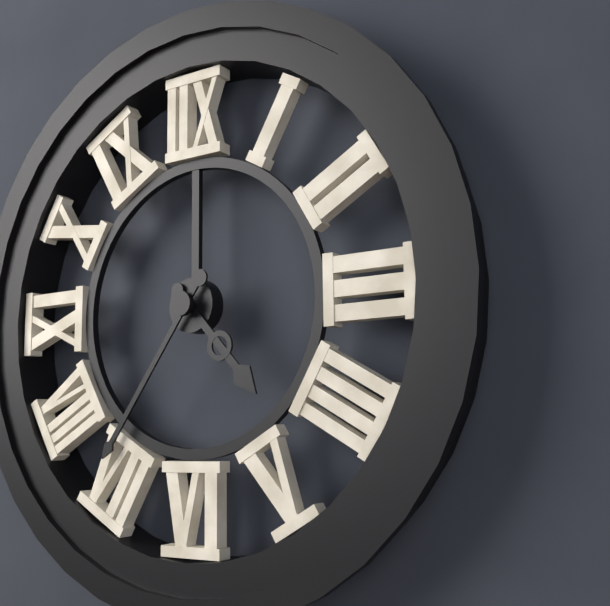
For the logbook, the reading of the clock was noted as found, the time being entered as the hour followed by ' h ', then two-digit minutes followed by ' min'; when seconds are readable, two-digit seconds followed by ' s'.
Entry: 4 h 36 min
